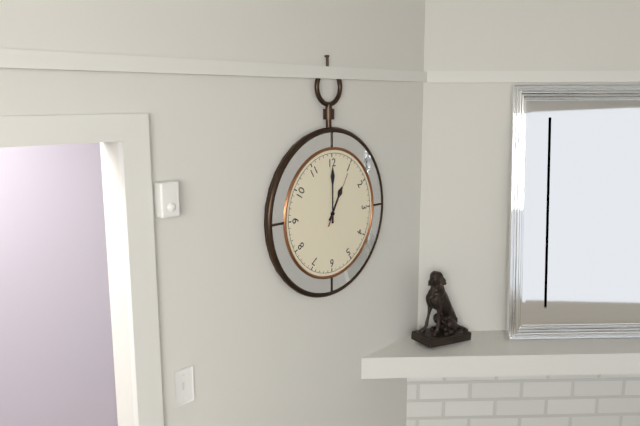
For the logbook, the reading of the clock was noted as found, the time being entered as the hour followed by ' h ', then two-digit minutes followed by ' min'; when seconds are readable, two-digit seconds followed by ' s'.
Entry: 1 h 00 min 05 s
